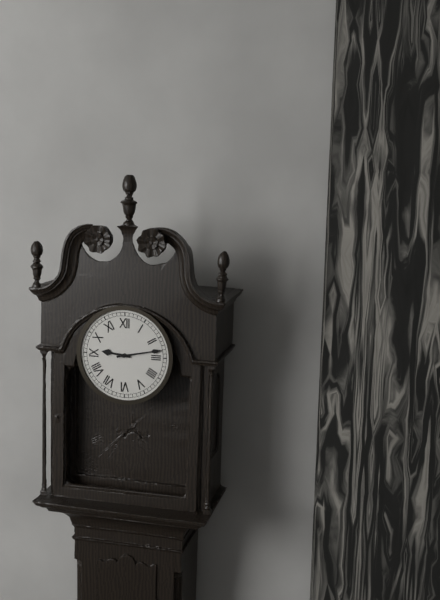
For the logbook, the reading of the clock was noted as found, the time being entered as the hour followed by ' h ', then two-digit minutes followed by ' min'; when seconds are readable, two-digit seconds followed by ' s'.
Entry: 9 h 13 min
